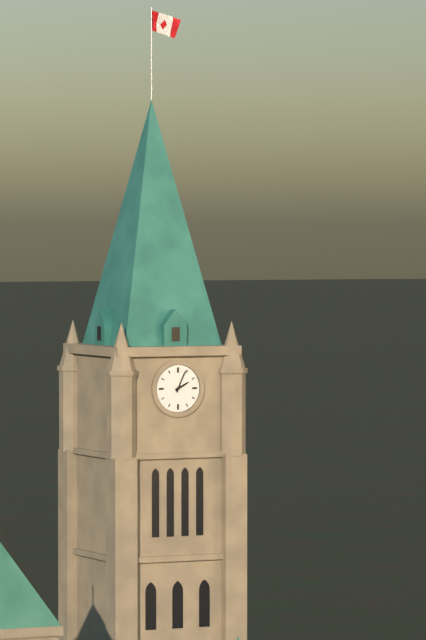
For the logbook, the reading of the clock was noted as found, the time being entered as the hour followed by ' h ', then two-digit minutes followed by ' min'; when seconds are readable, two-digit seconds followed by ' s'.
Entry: 2 h 04 min
